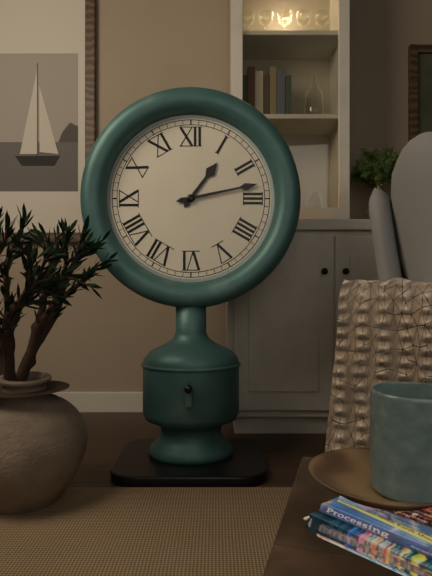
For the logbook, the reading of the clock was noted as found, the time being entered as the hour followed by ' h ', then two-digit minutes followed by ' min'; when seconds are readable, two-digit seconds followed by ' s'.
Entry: 1 h 13 min
